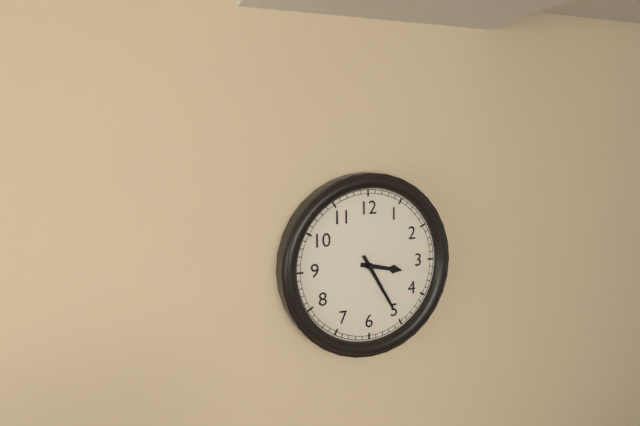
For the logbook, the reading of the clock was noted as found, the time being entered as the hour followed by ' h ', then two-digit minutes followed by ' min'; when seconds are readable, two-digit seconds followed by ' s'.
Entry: 3 h 25 min
